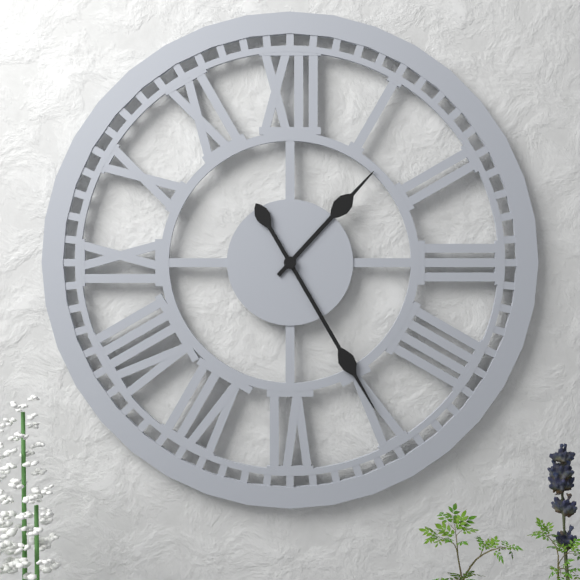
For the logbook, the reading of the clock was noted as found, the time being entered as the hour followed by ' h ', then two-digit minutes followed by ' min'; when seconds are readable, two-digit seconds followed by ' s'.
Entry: 1 h 25 min
